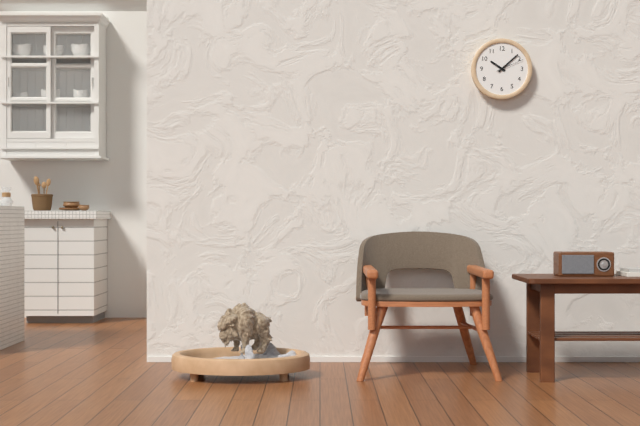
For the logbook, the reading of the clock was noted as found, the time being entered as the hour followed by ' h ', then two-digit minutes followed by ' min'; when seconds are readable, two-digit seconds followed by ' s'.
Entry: 10 h 08 min
